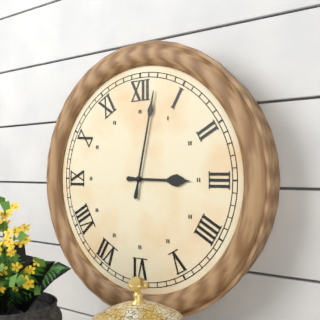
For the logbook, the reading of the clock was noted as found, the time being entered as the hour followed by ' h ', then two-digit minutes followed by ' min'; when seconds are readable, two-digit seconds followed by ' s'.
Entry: 3 h 02 min
